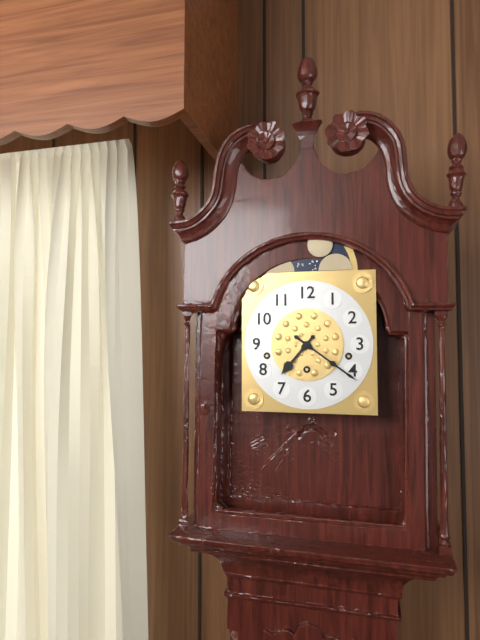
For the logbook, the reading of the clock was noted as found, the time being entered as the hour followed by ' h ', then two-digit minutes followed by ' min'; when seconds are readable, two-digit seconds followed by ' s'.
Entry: 7 h 21 min
